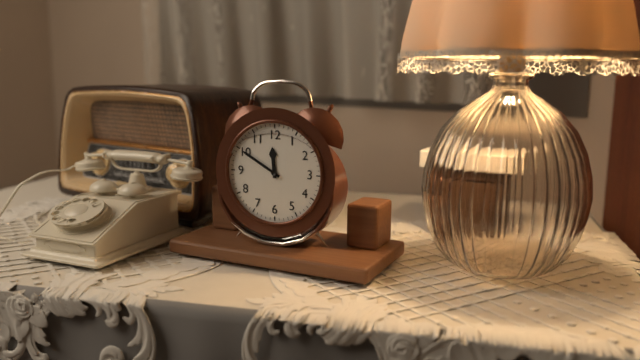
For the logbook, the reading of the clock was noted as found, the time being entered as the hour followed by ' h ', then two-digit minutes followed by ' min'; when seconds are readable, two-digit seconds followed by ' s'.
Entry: 11 h 50 min
